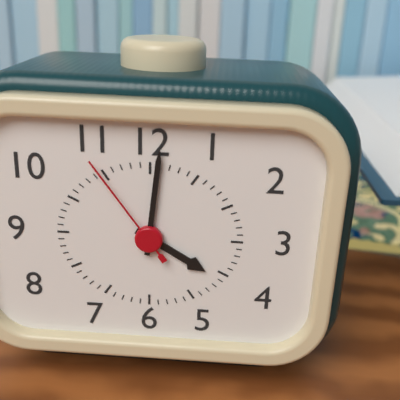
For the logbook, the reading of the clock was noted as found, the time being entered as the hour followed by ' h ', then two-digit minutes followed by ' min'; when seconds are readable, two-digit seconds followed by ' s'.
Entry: 4 h 01 min 54 s
